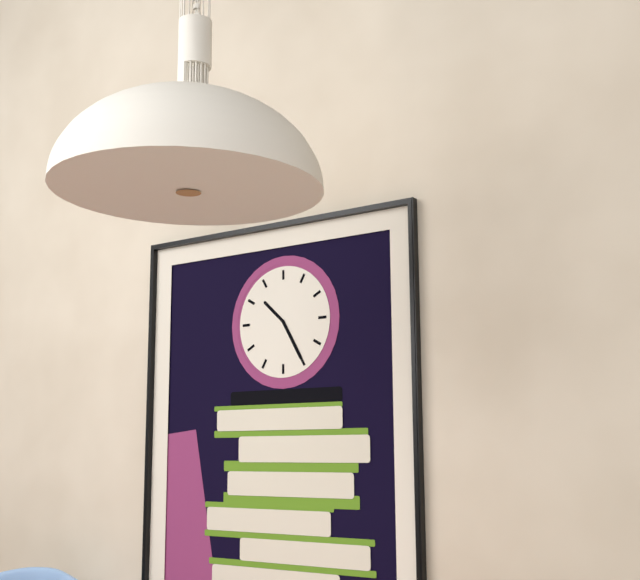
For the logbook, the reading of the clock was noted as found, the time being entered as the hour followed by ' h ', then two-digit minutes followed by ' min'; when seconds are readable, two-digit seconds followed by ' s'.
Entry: 10 h 25 min
